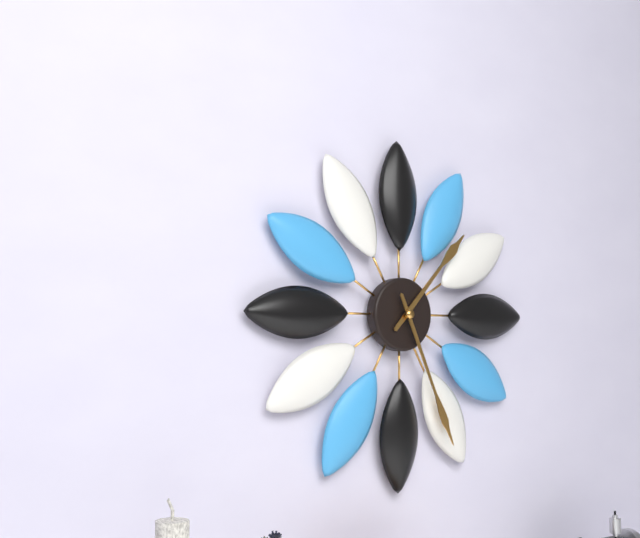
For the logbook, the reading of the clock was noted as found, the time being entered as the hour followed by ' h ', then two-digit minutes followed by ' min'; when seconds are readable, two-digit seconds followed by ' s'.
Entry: 1 h 26 min
